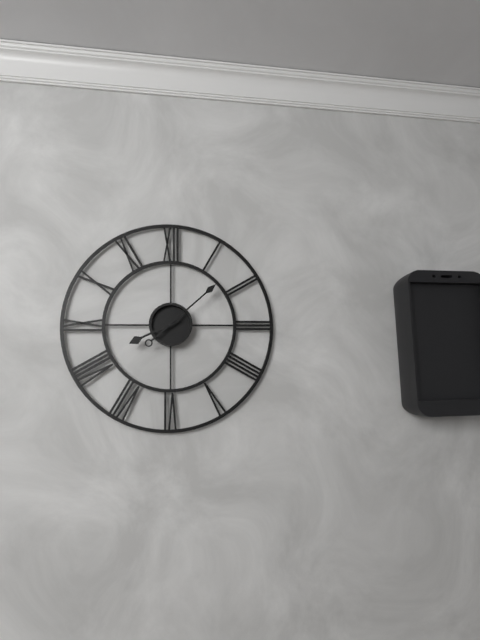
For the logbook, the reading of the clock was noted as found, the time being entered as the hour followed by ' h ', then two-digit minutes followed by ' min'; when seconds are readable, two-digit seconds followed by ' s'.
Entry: 8 h 08 min
